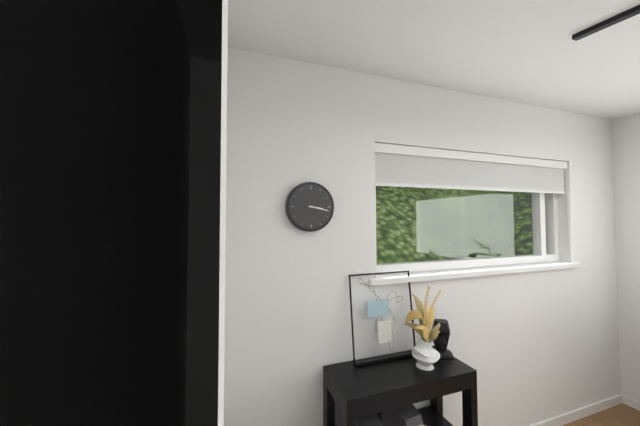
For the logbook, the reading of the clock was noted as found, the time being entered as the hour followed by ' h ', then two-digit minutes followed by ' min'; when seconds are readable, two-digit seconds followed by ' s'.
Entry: 3 h 17 min
